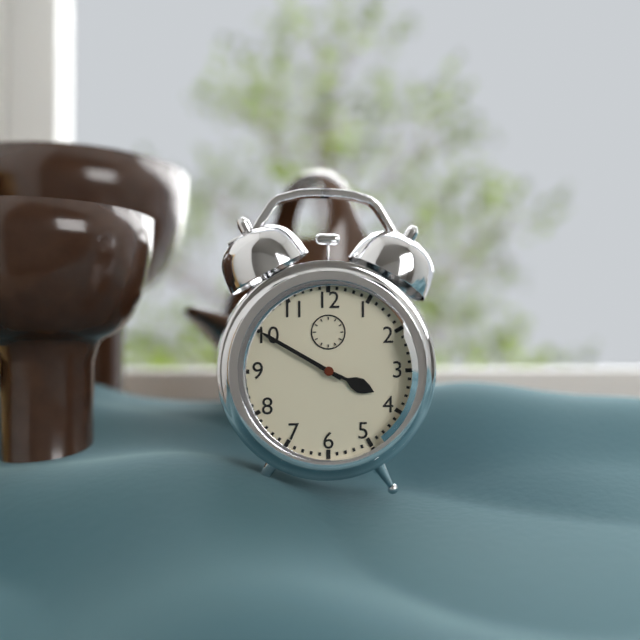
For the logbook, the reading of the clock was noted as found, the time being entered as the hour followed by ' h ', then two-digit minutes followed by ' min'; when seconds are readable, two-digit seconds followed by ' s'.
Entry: 3 h 50 min
